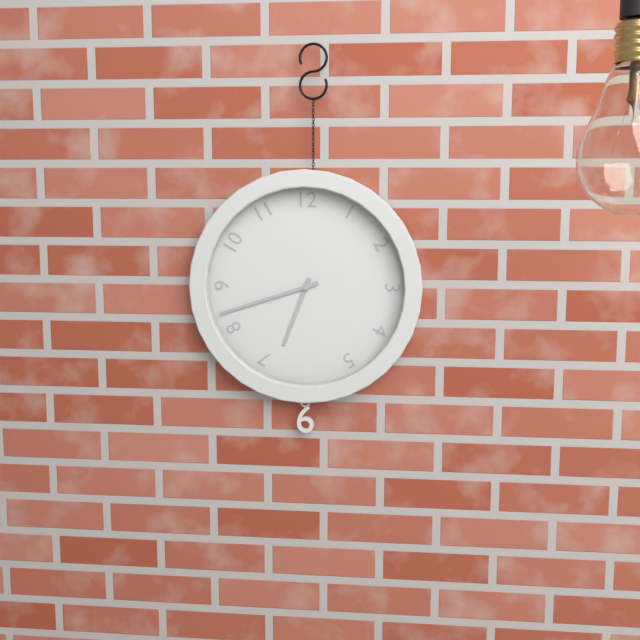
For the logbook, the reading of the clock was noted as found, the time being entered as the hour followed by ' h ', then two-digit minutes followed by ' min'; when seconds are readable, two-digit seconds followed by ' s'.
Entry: 6 h 42 min
